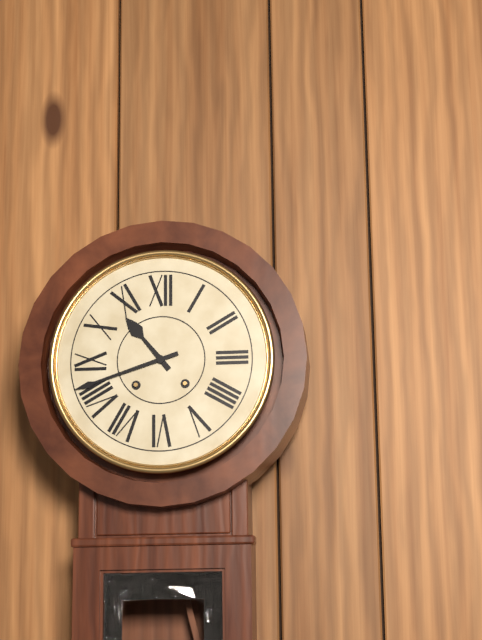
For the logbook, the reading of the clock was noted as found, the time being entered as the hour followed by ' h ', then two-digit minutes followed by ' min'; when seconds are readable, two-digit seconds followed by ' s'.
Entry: 10 h 42 min
